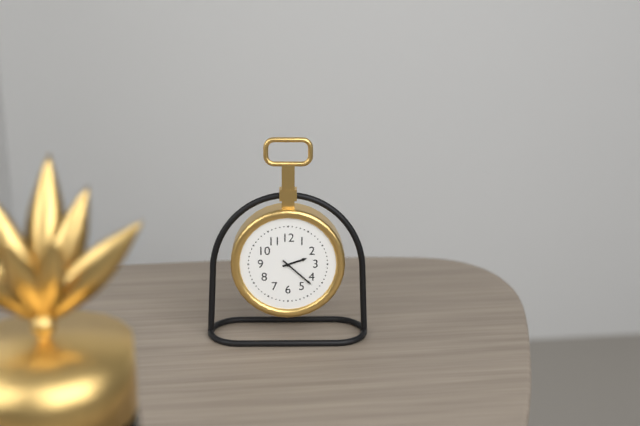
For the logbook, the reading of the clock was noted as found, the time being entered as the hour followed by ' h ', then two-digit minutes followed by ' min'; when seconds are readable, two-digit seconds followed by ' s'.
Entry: 2 h 22 min
